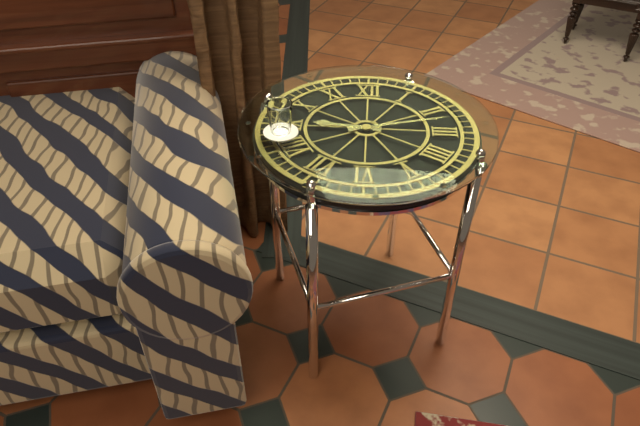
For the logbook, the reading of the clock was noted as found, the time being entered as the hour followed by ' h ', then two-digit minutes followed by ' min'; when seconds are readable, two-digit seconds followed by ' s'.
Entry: 9 h 12 min
